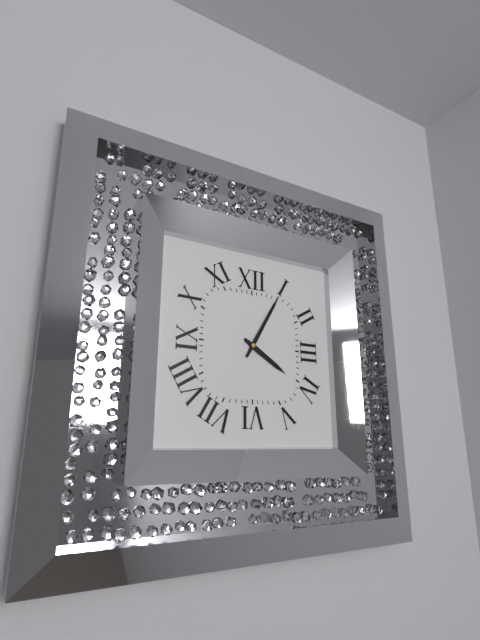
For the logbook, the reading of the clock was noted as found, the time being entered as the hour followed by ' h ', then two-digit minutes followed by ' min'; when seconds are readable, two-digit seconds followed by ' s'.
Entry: 4 h 05 min
